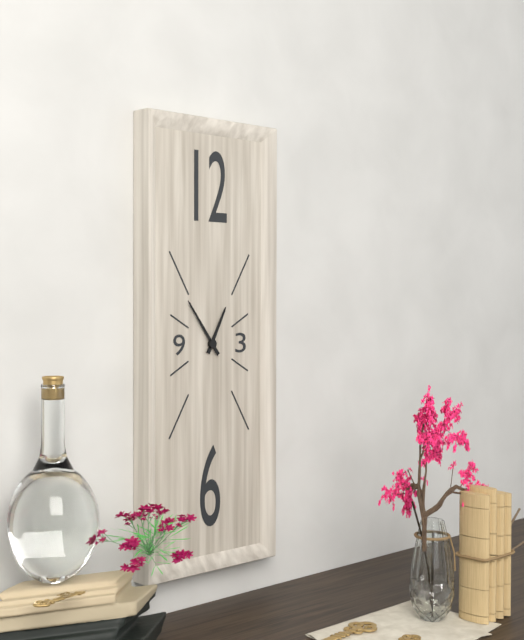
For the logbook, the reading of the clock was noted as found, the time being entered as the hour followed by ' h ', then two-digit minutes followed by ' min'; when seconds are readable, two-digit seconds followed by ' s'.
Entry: 12 h 54 min
